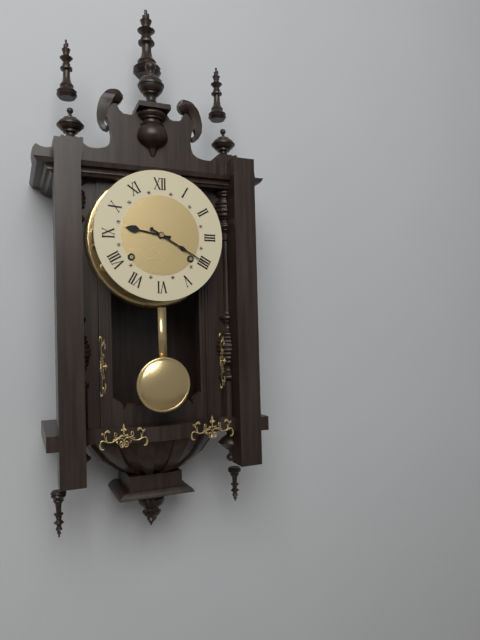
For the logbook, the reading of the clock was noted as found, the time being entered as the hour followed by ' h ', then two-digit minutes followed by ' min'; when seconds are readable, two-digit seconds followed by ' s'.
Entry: 9 h 20 min
